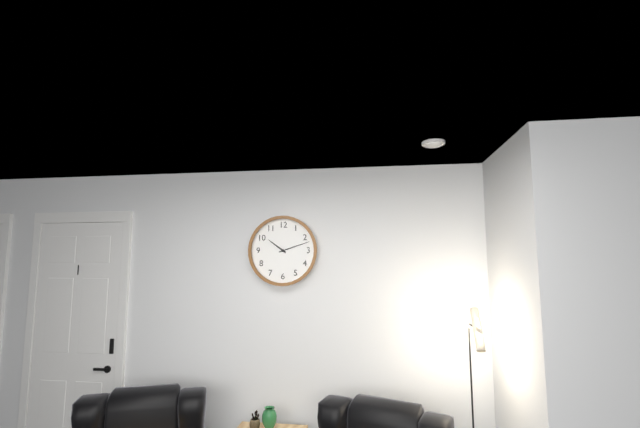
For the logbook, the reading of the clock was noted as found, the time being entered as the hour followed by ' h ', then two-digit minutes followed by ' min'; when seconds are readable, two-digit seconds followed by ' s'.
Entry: 10 h 12 min
